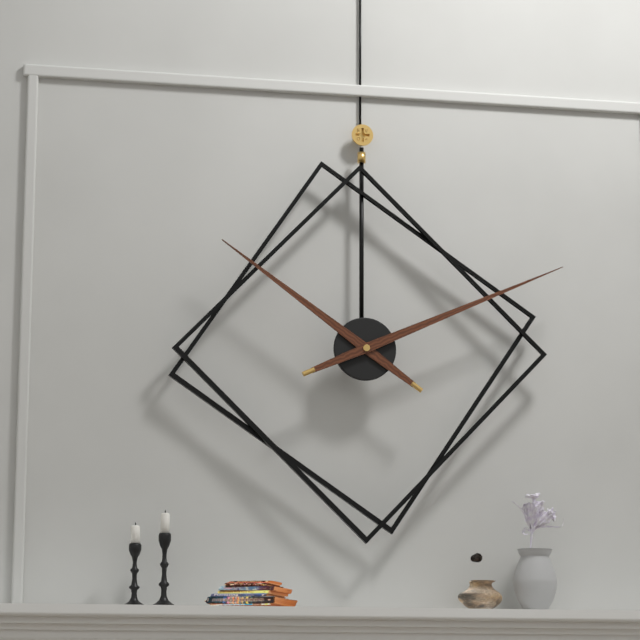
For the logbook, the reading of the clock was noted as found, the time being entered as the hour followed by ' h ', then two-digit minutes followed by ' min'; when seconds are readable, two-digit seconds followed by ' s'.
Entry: 10 h 11 min
